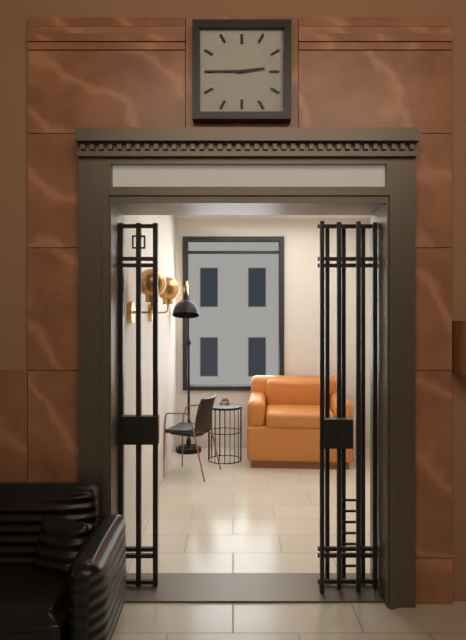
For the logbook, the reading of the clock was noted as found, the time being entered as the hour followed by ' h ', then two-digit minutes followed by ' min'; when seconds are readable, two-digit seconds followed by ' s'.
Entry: 2 h 45 min
